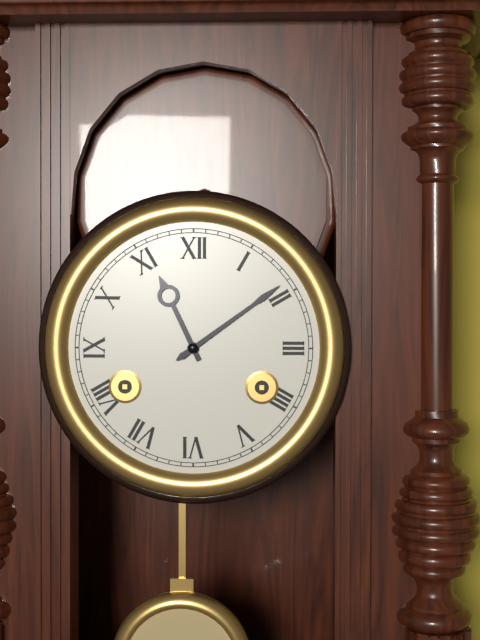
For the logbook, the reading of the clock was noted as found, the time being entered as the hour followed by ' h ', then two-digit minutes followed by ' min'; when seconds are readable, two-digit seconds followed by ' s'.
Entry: 11 h 09 min
